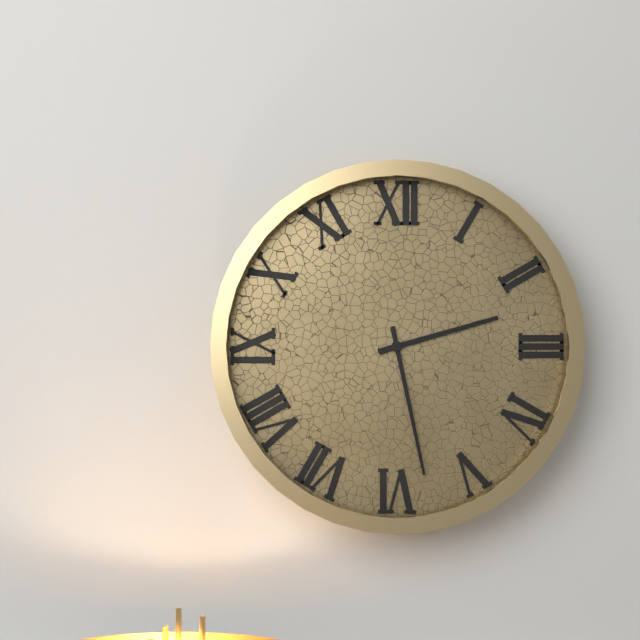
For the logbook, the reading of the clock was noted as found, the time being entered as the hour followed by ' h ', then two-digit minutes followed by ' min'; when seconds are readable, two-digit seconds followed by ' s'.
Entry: 2 h 28 min
